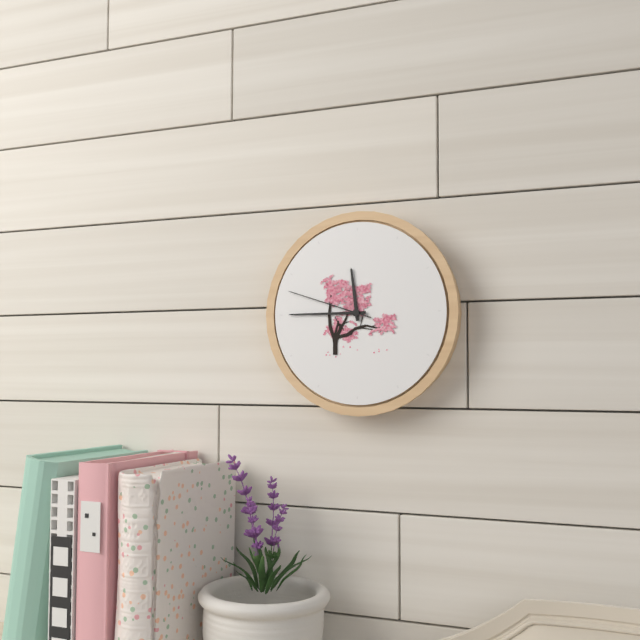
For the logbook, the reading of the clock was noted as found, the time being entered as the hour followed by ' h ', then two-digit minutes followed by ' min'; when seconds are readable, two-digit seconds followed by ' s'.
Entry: 11 h 45 min 48 s
